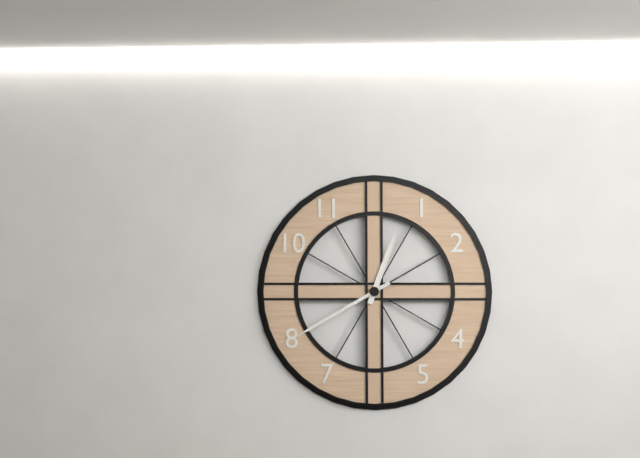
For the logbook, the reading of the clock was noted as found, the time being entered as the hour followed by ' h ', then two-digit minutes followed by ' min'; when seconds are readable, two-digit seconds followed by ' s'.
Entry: 12 h 40 min
